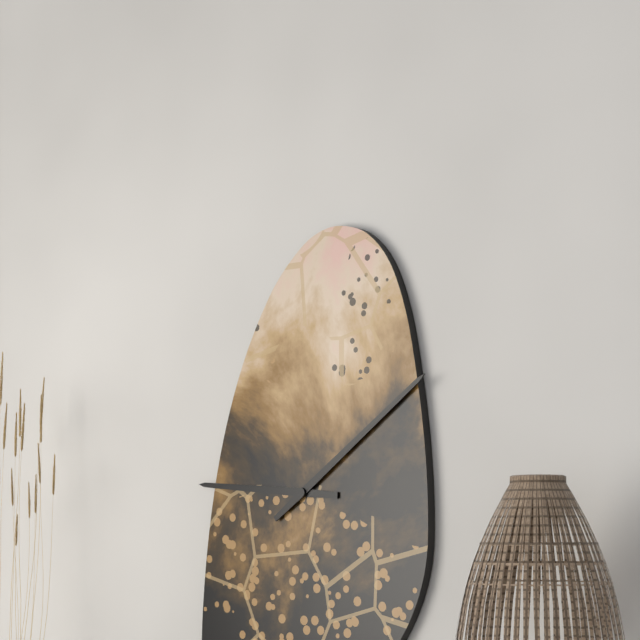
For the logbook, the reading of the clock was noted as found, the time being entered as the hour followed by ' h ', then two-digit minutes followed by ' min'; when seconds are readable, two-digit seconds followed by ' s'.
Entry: 9 h 09 min
